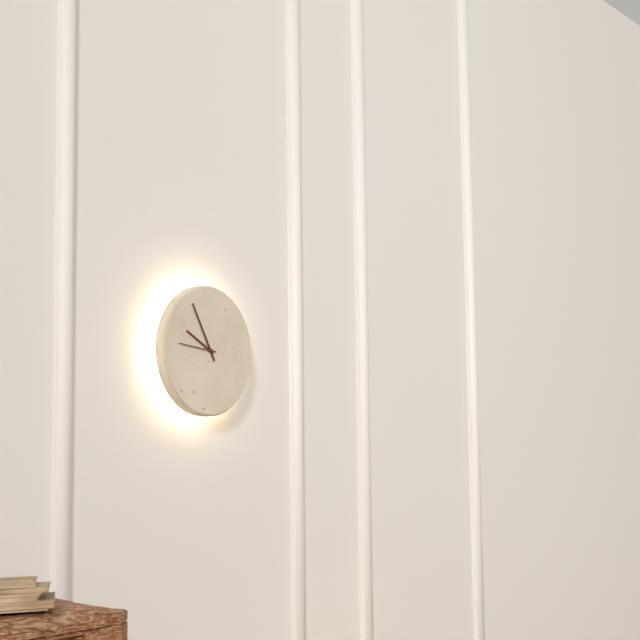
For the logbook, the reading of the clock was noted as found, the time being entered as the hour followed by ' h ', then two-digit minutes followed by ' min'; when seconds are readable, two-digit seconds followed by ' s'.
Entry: 9 h 55 min
